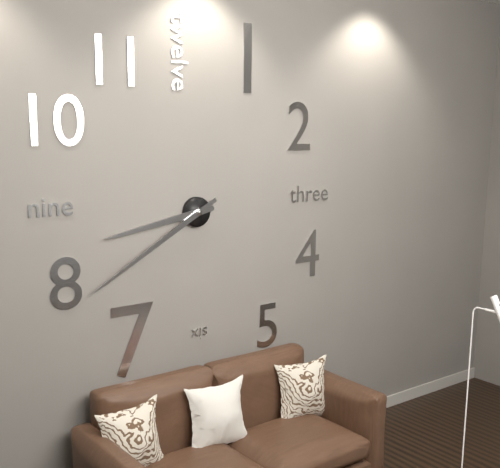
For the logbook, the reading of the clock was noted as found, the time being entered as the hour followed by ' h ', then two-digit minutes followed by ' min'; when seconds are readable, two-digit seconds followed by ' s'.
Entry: 8 h 40 min
